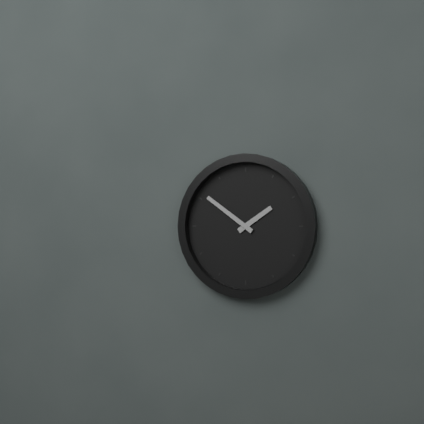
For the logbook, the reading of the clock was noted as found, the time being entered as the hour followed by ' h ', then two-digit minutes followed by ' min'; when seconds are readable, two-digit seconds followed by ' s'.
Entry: 1 h 51 min
